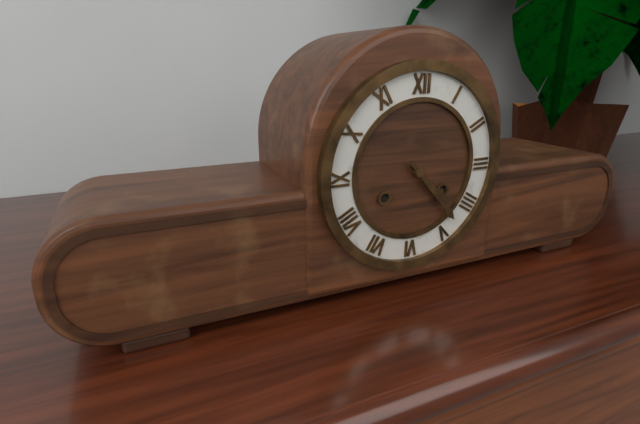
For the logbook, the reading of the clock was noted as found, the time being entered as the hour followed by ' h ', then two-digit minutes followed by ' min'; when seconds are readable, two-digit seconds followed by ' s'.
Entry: 4 h 23 min
